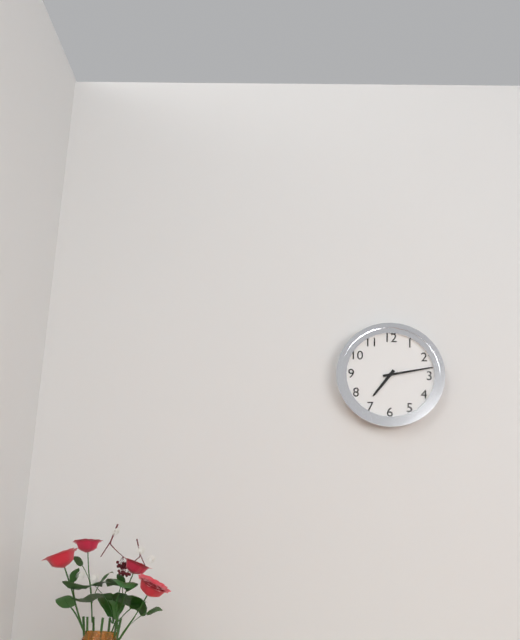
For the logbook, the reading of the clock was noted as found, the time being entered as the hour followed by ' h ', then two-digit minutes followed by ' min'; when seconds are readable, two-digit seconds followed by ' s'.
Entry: 7 h 13 min
